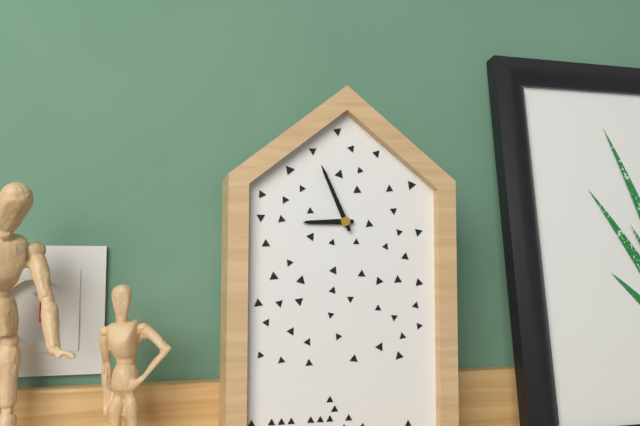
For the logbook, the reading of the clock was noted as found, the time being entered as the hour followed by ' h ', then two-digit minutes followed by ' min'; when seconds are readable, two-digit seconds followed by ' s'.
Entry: 8 h 56 min
